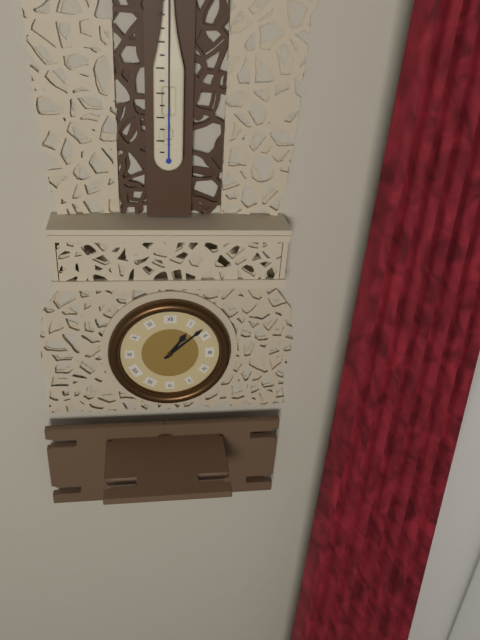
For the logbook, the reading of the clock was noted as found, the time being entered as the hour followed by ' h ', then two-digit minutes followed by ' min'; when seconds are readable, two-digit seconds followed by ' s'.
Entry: 1 h 08 min
